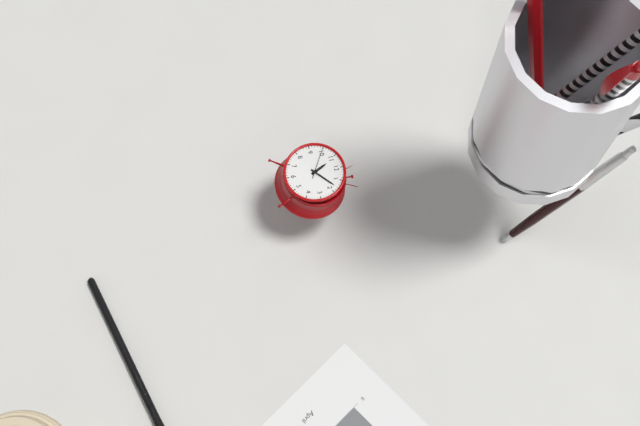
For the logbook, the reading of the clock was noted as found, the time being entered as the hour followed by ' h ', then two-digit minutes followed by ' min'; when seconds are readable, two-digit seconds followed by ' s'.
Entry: 11 h 08 min
